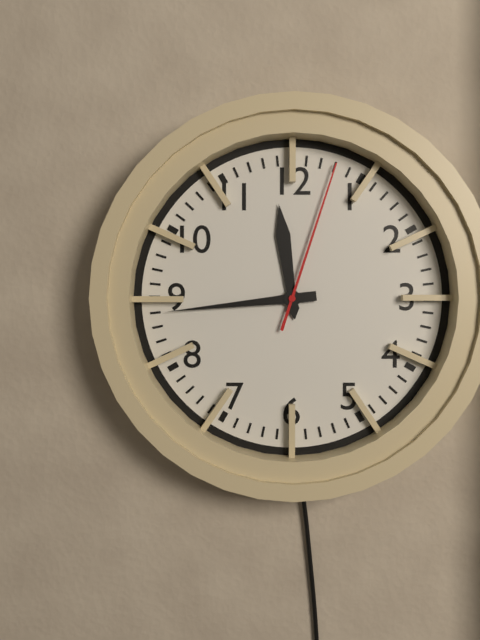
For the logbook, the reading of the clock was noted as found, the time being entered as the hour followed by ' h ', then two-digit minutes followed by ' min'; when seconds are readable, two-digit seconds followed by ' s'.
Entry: 11 h 44 min 03 s
